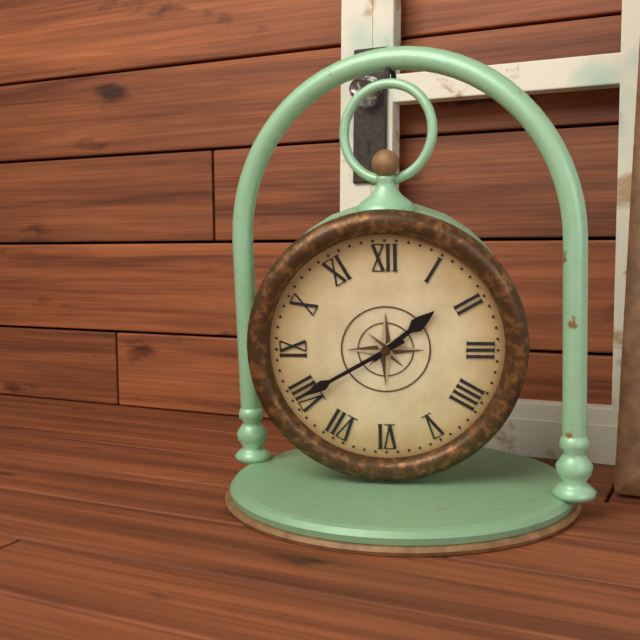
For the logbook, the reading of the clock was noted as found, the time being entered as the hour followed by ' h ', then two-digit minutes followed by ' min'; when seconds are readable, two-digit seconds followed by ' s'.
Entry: 1 h 40 min
